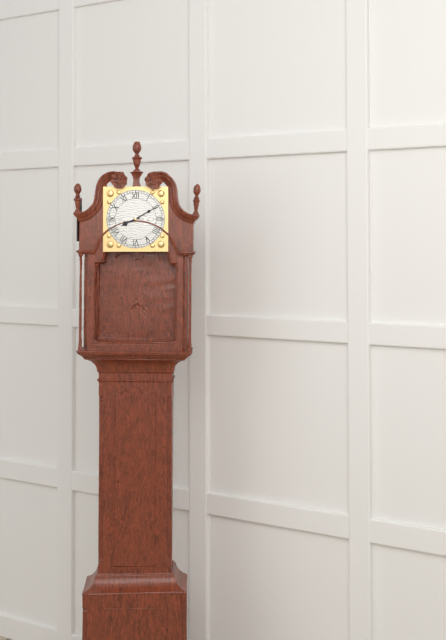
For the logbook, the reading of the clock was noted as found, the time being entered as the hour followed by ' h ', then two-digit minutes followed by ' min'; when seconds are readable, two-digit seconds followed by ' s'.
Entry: 8 h 10 min
